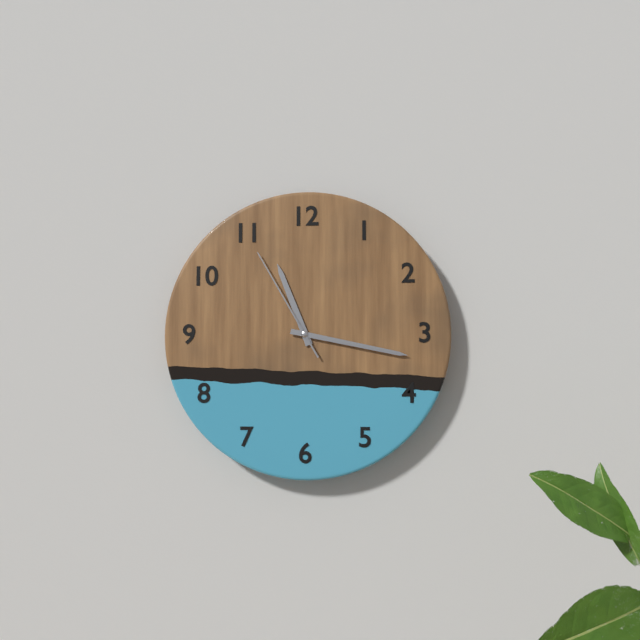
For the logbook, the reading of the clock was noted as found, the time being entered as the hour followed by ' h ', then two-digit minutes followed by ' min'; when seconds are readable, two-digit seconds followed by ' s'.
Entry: 11 h 17 min 55 s
